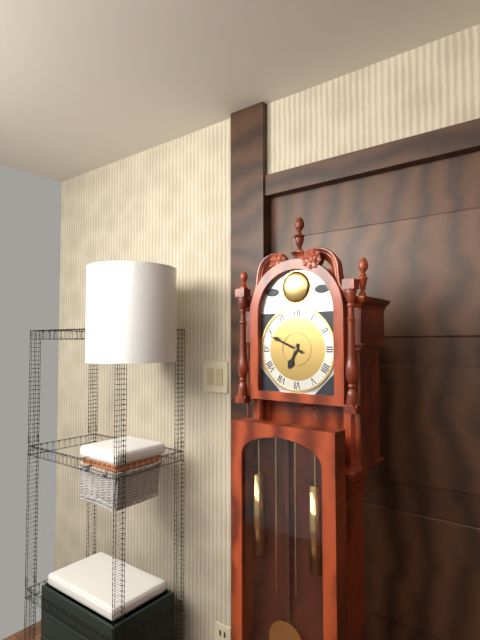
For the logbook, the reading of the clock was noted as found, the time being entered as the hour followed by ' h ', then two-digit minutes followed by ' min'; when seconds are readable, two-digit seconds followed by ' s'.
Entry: 6 h 49 min
